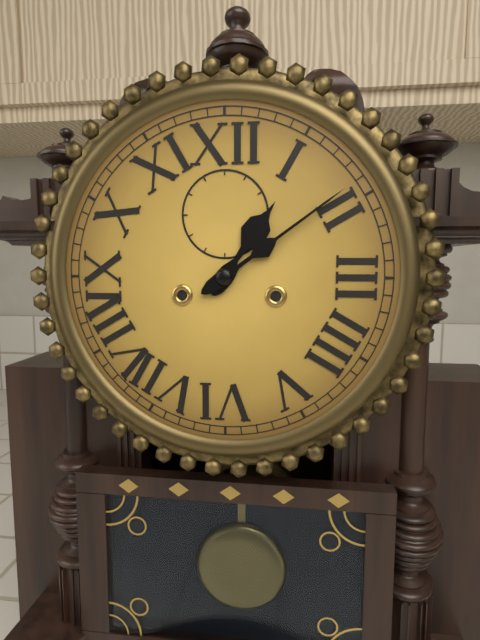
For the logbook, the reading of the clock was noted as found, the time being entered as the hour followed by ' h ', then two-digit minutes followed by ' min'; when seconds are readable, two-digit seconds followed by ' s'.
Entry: 1 h 09 min
